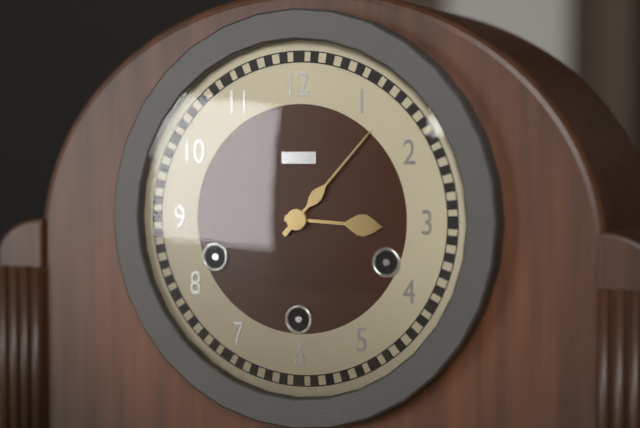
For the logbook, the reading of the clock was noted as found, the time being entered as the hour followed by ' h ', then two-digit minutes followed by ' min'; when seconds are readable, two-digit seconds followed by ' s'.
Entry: 3 h 07 min
